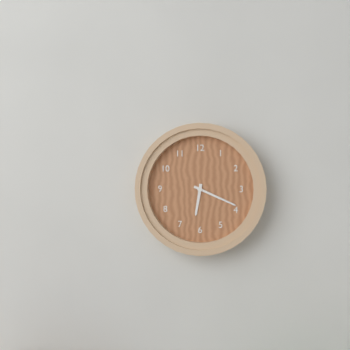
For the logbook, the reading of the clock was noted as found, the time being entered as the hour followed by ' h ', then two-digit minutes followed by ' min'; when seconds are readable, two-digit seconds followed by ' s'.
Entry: 6 h 19 min
